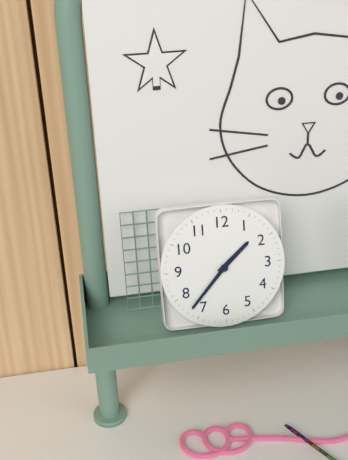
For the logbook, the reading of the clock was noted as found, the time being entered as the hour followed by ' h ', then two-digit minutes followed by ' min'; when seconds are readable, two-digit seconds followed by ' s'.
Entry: 1 h 37 min
